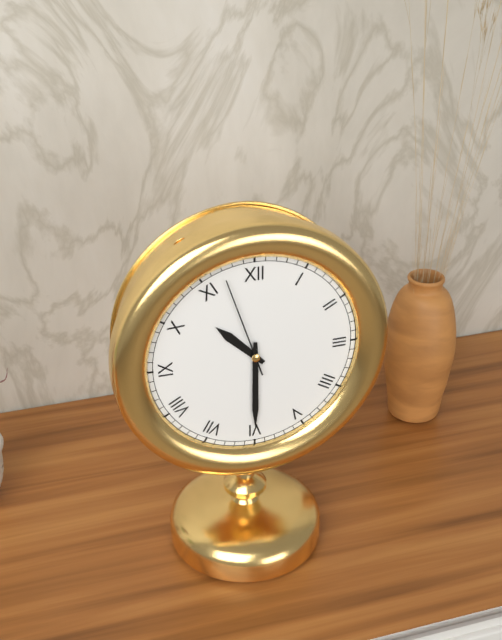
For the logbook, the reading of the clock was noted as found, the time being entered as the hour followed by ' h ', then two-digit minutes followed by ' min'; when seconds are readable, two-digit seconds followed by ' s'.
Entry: 10 h 30 min 57 s
